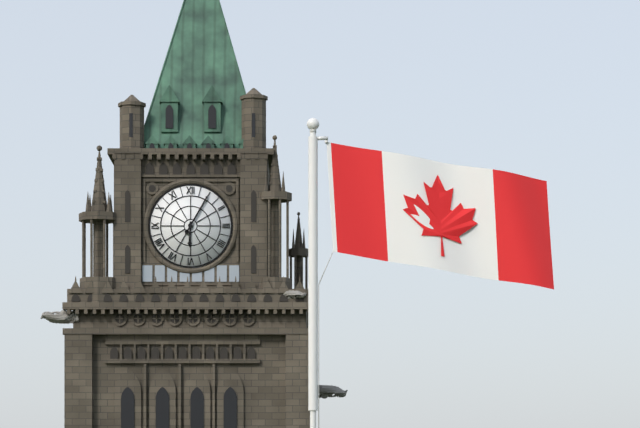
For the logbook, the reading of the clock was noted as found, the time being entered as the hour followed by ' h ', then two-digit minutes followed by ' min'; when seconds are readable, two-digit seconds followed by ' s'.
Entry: 6 h 05 min
